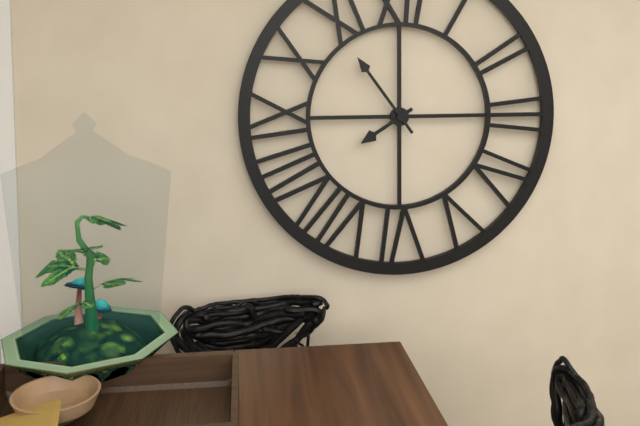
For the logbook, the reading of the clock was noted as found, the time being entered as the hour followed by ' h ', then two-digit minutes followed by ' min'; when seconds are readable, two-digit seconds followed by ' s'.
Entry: 7 h 54 min
